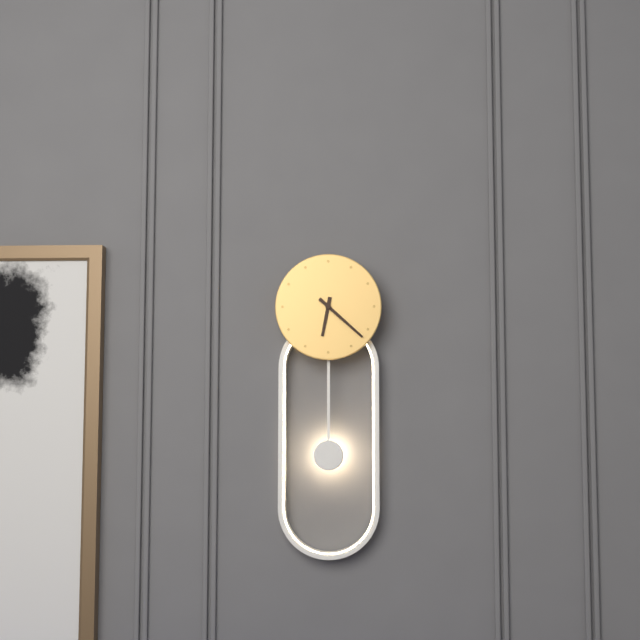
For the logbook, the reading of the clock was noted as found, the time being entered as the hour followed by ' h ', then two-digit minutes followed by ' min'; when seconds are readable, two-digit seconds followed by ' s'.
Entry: 6 h 22 min
